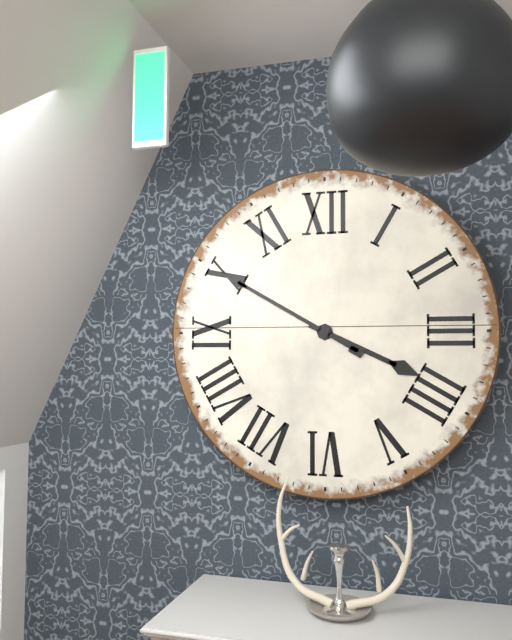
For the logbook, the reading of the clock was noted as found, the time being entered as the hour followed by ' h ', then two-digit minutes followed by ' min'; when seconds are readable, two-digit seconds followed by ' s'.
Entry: 3 h 50 min
